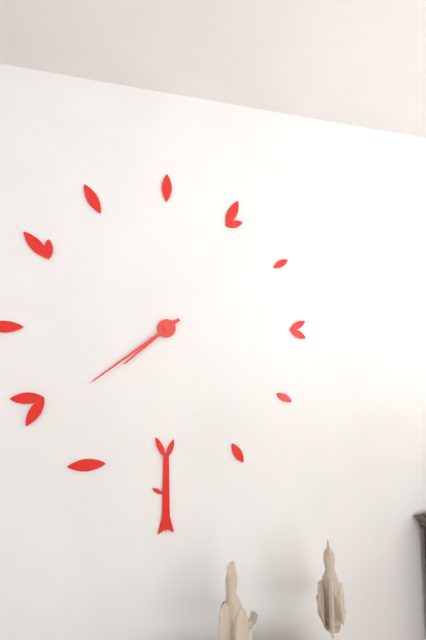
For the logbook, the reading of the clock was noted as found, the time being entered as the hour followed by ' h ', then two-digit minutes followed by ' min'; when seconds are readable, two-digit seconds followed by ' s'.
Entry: 7 h 39 min
